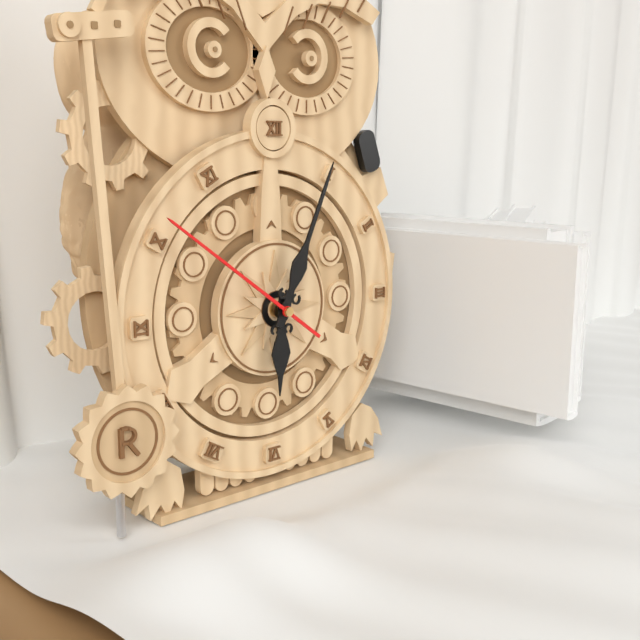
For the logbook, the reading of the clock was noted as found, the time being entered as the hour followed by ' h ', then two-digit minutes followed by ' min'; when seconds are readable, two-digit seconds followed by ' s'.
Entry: 6 h 04 min 51 s
